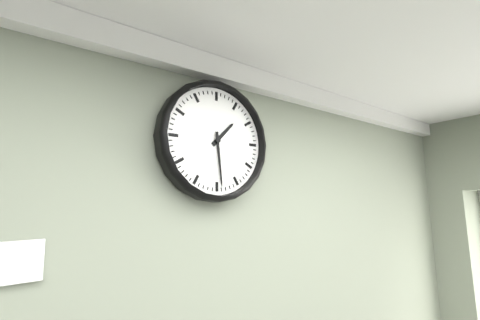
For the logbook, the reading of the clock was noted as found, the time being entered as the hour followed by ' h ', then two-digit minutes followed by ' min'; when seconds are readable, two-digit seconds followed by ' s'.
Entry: 1 h 29 min
